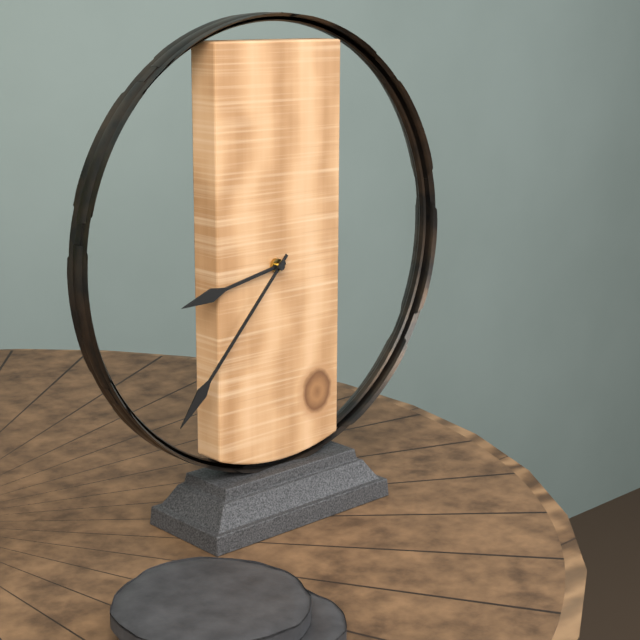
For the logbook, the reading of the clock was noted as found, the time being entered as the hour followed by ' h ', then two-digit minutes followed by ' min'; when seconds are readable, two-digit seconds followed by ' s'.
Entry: 8 h 37 min
